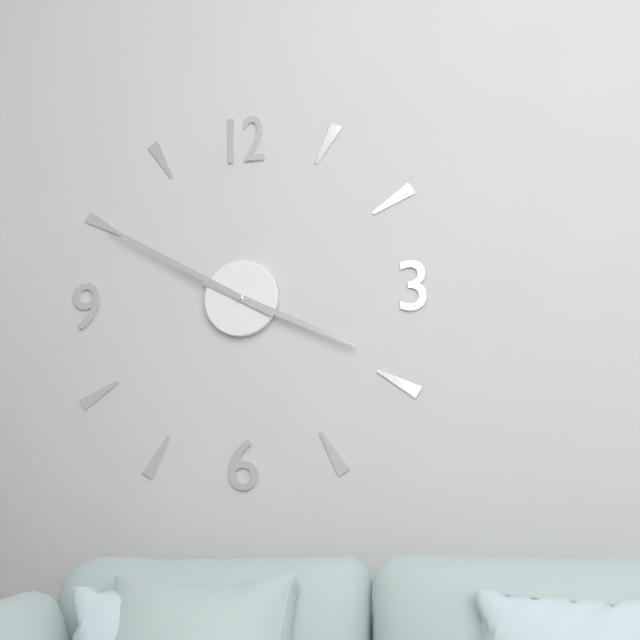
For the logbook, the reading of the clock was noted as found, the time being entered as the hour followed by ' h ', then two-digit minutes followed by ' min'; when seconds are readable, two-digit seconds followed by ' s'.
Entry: 3 h 50 min
